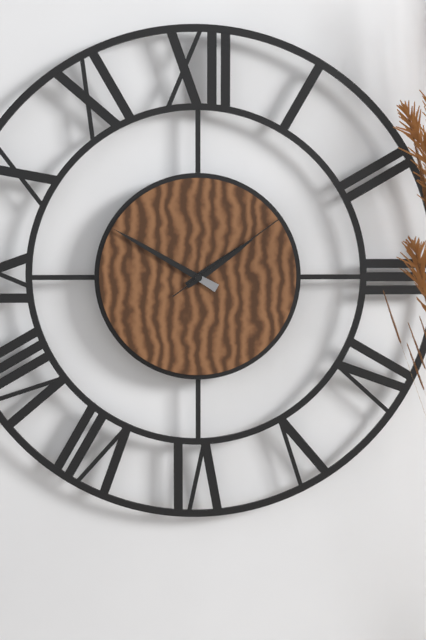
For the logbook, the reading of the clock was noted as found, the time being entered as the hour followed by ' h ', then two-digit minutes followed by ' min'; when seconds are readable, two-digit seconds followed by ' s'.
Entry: 1 h 50 min 09 s
